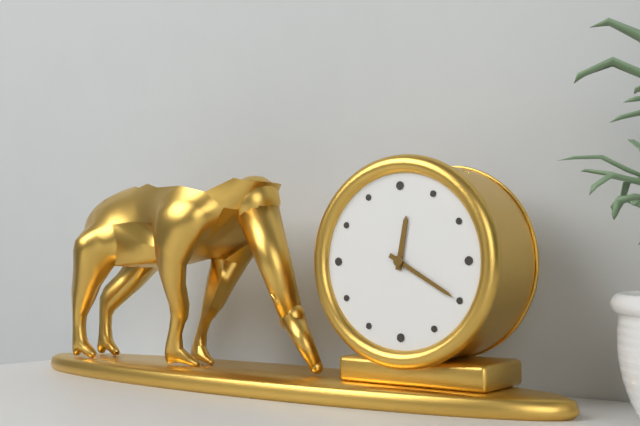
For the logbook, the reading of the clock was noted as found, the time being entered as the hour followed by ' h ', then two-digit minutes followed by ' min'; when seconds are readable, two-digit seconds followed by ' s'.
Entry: 12 h 20 min
